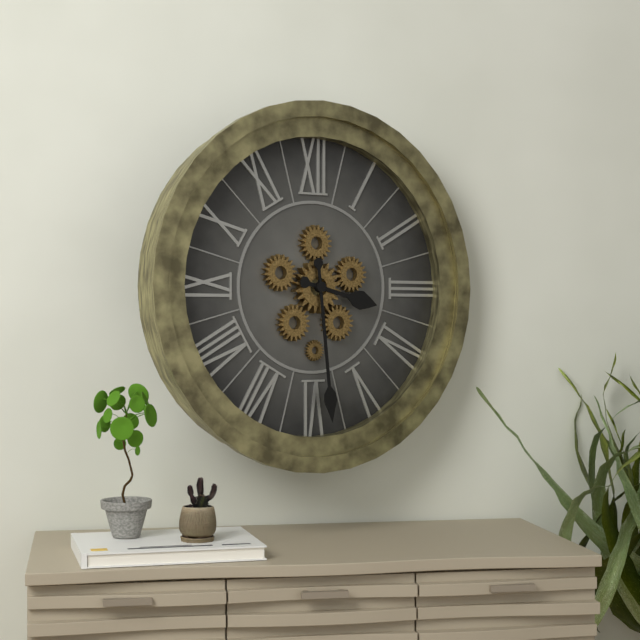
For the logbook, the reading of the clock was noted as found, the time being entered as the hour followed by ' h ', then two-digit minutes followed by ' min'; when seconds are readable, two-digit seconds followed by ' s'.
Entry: 3 h 29 min
